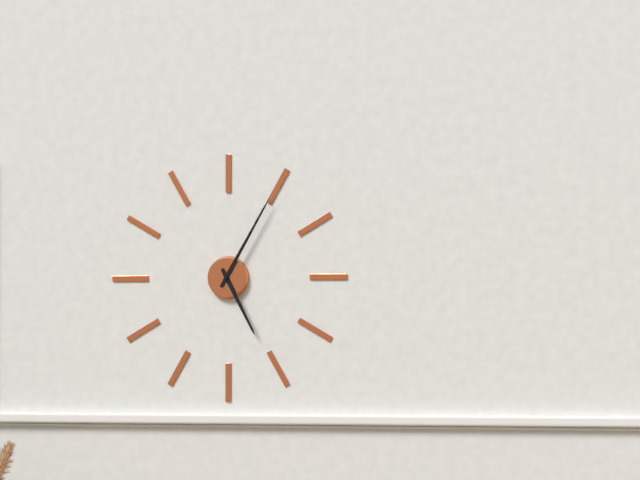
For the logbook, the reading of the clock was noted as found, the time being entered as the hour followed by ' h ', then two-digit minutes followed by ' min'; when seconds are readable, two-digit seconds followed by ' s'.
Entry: 5 h 05 min
